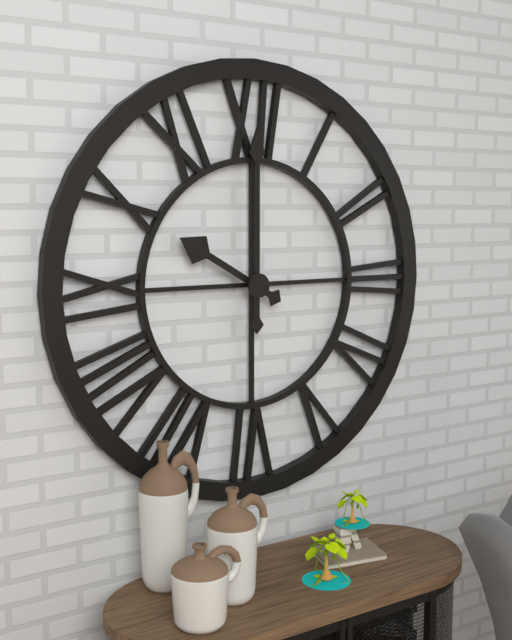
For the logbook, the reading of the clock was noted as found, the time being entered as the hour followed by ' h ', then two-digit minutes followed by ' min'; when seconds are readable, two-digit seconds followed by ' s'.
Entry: 10 h 00 min
